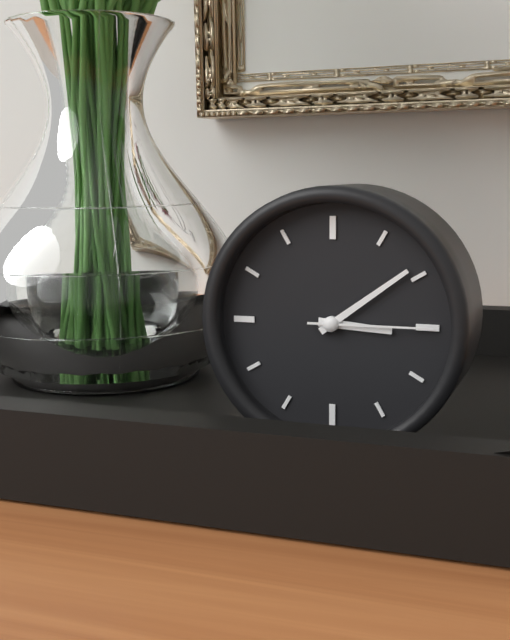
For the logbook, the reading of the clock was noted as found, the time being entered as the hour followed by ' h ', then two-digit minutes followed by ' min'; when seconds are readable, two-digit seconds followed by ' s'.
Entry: 3 h 09 min 15 s
